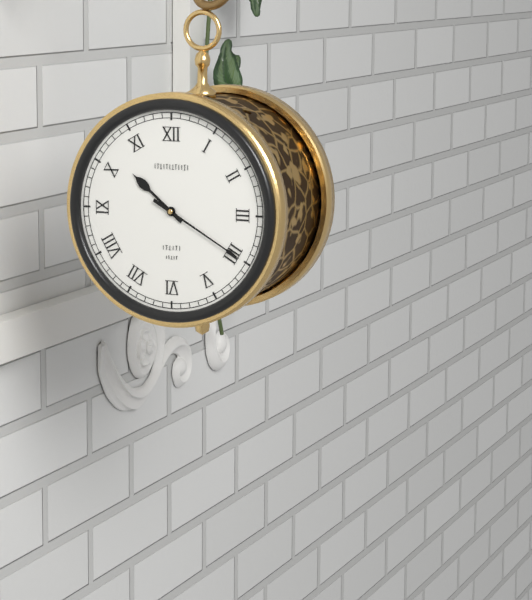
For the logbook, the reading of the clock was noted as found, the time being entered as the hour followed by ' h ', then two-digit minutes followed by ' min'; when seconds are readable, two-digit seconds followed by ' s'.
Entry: 10 h 20 min
